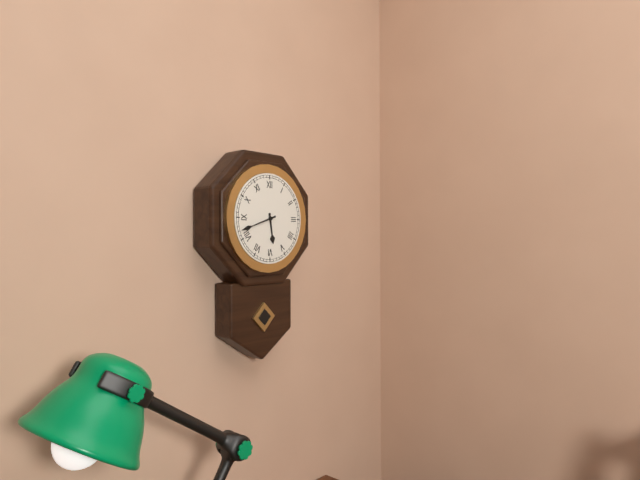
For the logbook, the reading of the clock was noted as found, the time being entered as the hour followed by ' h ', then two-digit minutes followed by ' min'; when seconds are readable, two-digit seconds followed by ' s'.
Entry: 5 h 42 min
